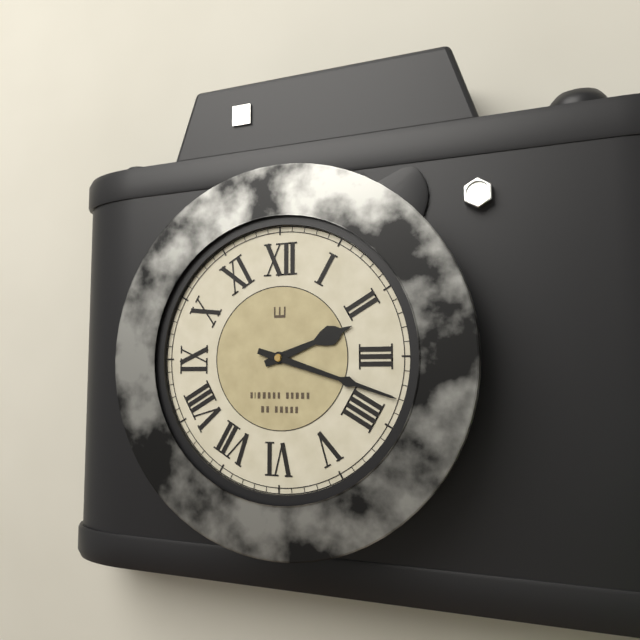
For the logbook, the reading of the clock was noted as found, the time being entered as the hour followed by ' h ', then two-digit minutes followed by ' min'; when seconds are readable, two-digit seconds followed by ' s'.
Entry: 2 h 18 min
